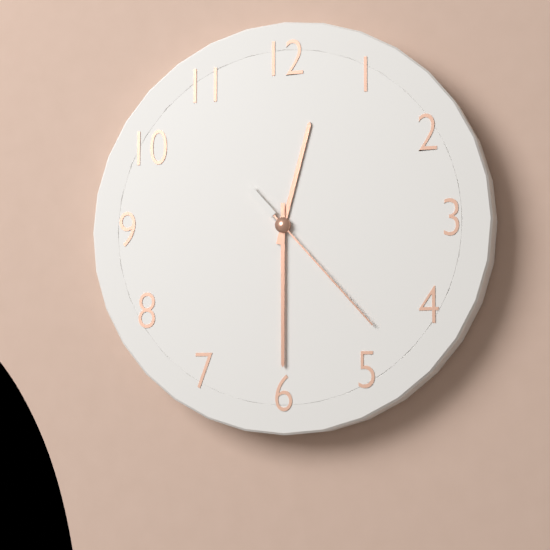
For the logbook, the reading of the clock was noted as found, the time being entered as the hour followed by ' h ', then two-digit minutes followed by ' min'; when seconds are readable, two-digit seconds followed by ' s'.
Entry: 12 h 30 min 23 s
